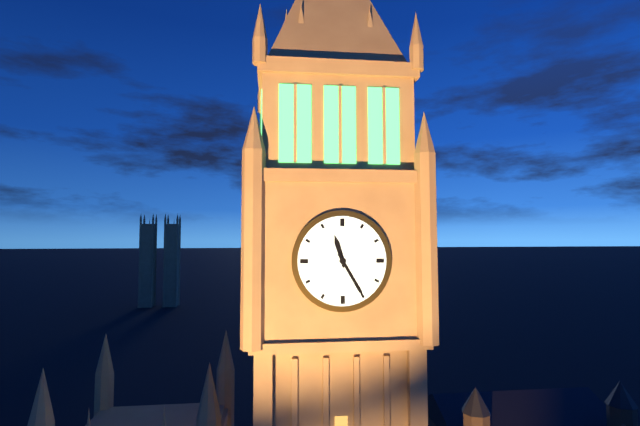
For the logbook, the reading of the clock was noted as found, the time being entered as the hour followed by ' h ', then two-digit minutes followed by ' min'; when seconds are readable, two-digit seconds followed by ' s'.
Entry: 11 h 25 min
